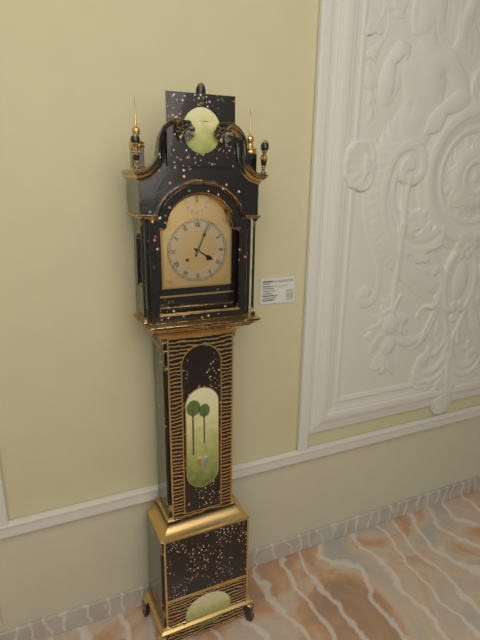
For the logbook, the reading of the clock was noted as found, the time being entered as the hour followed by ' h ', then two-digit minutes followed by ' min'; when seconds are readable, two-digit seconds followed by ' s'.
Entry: 4 h 04 min
